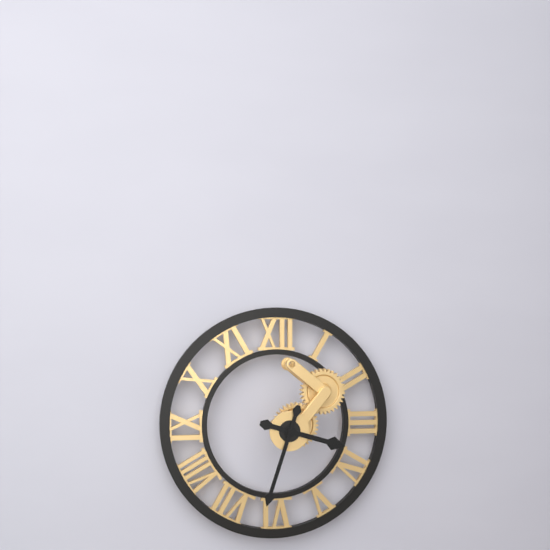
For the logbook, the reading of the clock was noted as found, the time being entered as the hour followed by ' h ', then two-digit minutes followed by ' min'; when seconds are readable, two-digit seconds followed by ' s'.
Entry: 3 h 33 min
